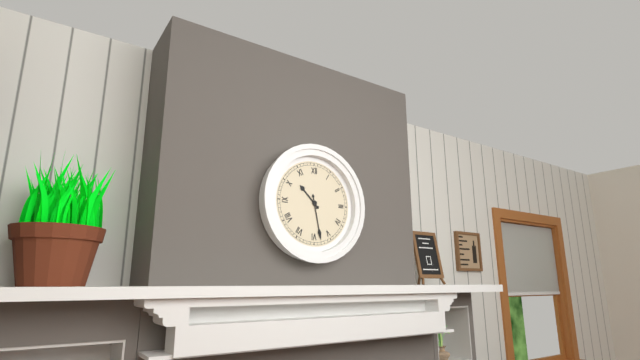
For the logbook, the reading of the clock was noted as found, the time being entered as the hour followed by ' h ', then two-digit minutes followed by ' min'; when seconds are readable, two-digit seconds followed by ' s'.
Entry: 10 h 28 min
